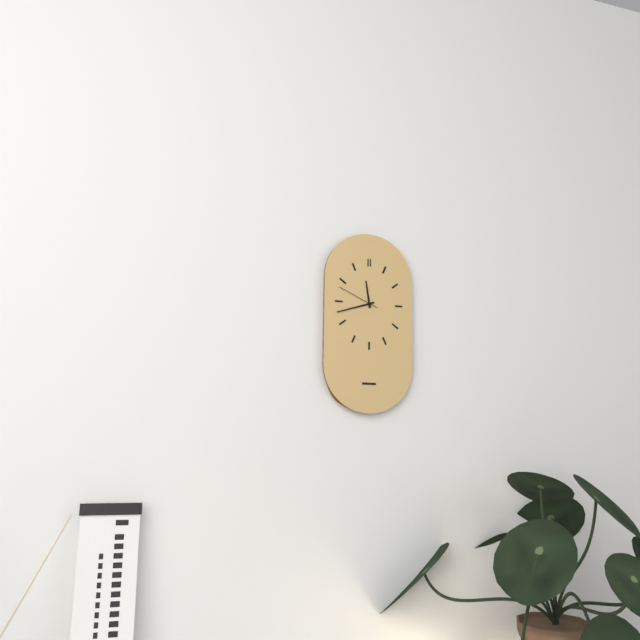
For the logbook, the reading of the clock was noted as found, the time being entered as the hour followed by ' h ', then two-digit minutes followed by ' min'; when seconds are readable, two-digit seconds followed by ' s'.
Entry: 11 h 42 min
